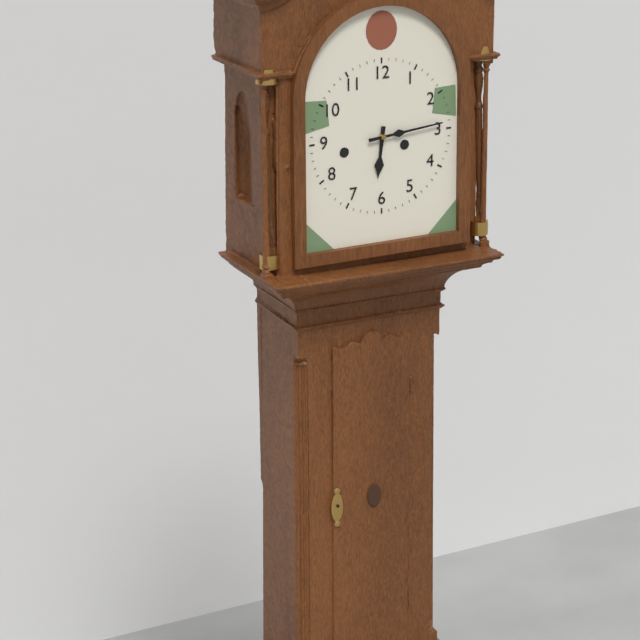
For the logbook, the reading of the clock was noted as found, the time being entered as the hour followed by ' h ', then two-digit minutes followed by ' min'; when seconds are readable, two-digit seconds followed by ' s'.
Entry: 6 h 14 min
